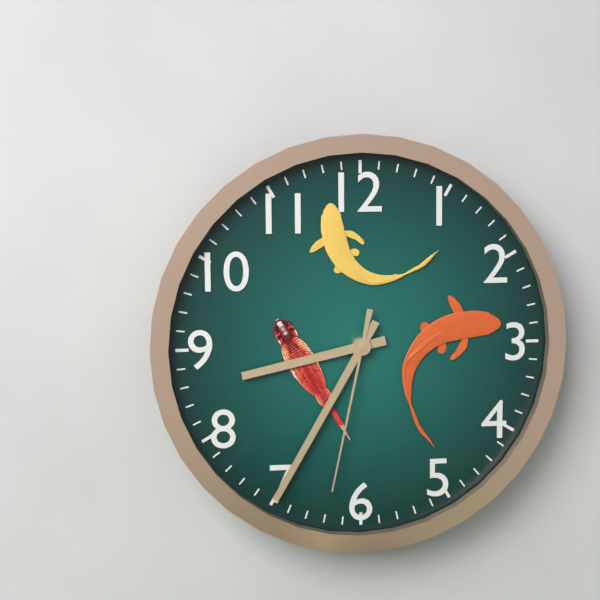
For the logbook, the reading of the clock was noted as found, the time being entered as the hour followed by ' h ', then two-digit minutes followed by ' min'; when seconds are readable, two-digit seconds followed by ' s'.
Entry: 8 h 35 min 32 s
